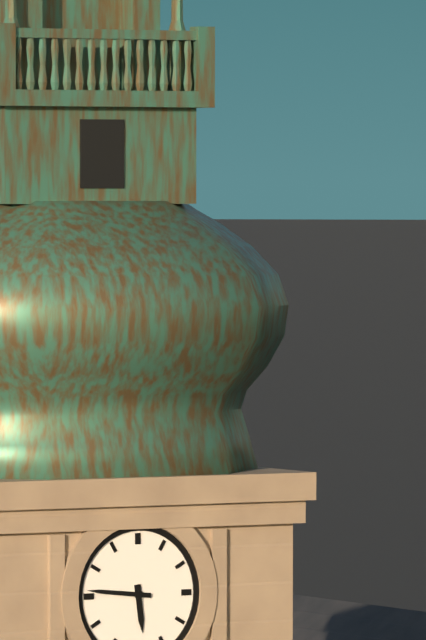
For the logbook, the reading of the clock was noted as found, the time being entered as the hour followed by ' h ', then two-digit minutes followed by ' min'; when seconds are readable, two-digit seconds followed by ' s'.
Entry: 5 h 46 min
